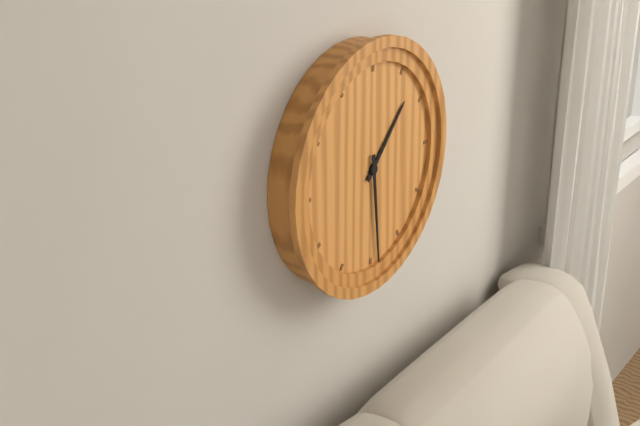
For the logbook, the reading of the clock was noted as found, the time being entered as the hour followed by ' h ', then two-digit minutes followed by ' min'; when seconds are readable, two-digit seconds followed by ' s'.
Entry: 1 h 29 min
